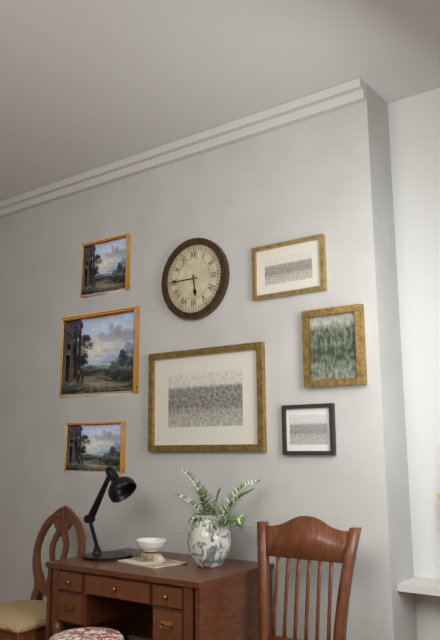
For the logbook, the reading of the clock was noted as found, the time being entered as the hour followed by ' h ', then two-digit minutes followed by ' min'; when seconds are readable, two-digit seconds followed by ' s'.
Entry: 5 h 45 min
